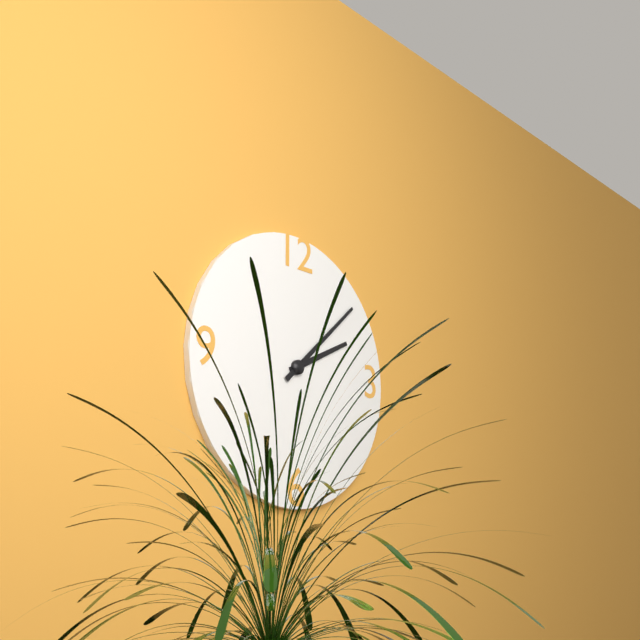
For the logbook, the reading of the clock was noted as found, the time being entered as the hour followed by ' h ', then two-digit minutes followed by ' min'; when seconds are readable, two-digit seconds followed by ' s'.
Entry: 2 h 08 min
